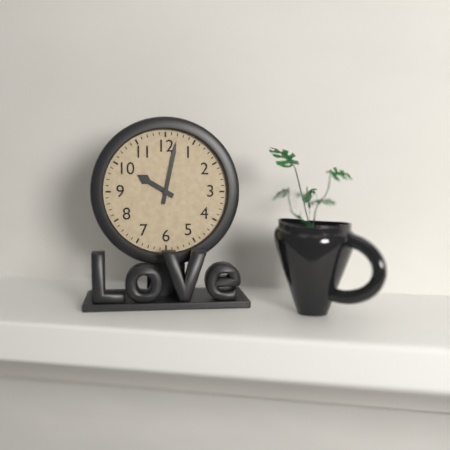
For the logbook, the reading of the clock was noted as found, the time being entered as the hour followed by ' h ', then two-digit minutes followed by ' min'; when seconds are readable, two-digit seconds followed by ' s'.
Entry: 10 h 02 min
